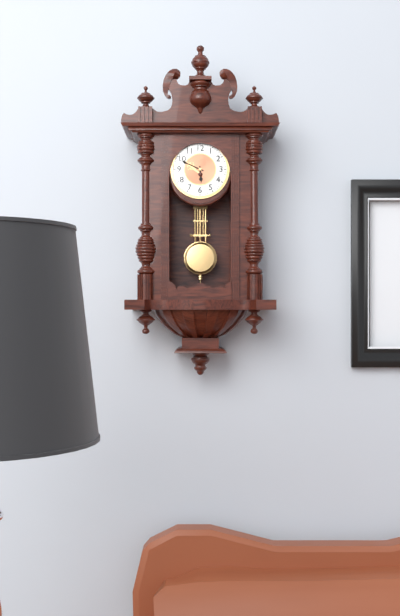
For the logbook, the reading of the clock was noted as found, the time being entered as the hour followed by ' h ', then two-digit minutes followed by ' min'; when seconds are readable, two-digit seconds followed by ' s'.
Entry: 5 h 49 min
